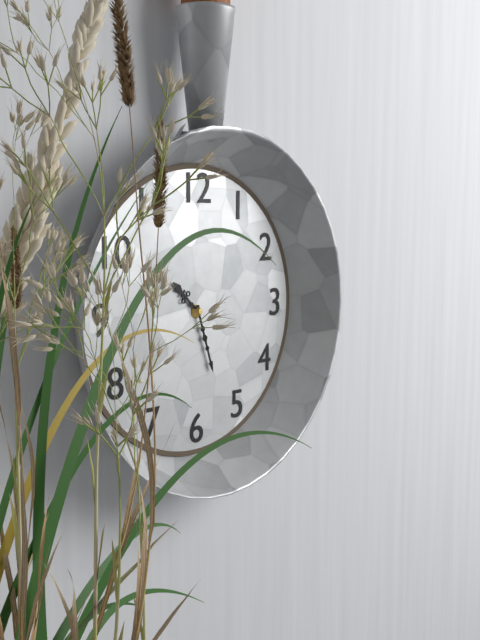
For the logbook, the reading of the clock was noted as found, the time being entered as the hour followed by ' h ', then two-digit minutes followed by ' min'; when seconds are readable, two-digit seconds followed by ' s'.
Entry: 10 h 27 min
